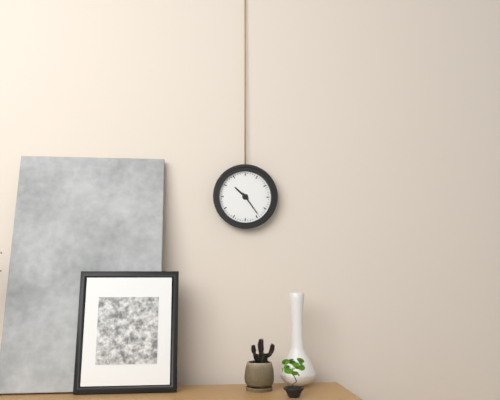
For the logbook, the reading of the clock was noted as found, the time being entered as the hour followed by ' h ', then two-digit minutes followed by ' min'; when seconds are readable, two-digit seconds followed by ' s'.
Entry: 10 h 24 min
